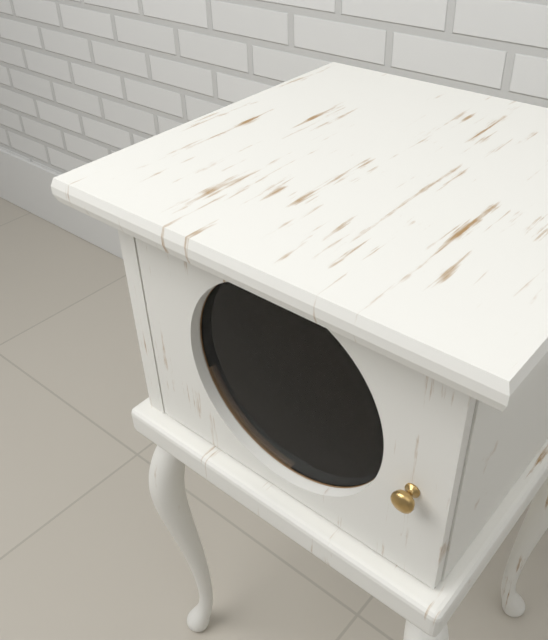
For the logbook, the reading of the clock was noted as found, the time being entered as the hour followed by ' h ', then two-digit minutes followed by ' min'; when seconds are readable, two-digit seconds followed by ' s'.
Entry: 9 h 32 min 03 s
